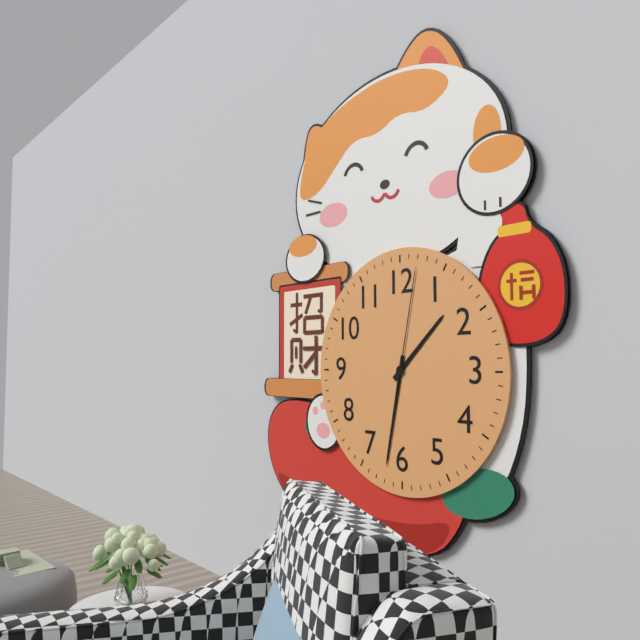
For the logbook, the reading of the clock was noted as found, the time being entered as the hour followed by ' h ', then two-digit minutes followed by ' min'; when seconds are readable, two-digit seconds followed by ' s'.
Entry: 1 h 32 min 02 s
